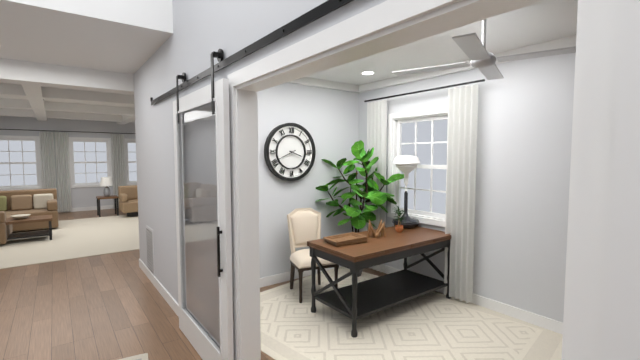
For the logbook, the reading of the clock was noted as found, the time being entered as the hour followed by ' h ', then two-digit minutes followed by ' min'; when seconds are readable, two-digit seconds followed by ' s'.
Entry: 3 h 41 min
